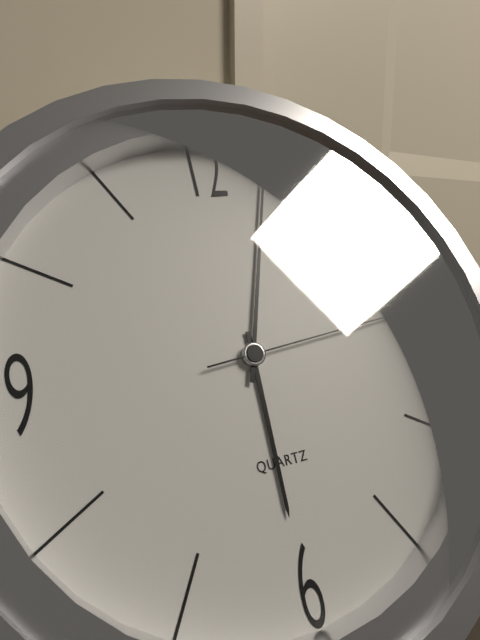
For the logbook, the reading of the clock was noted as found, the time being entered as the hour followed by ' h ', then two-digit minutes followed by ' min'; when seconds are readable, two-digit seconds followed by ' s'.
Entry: 6 h 03 min 14 s
